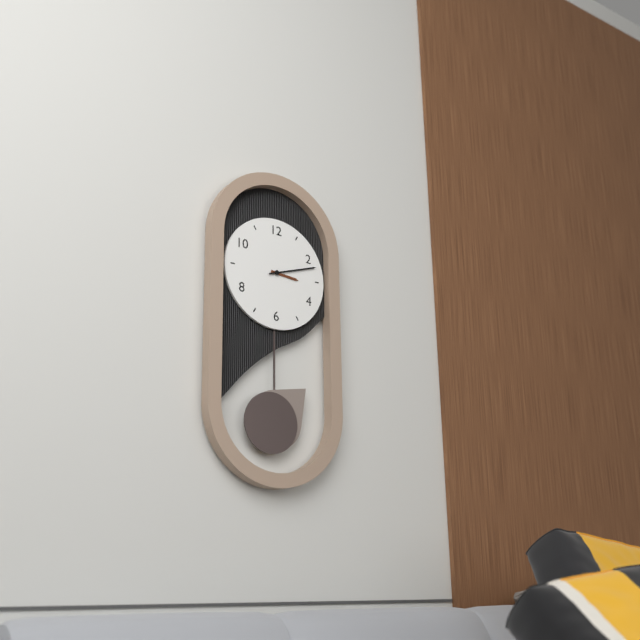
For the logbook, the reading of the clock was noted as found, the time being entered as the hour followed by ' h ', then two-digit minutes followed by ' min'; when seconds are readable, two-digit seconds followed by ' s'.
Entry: 3 h 12 min
